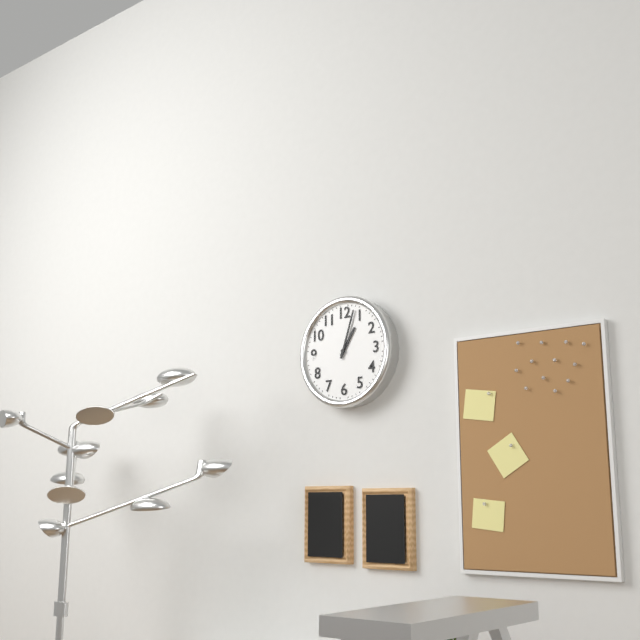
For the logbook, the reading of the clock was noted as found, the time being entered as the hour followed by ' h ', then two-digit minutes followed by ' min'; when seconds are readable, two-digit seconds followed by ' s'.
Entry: 1 h 03 min
